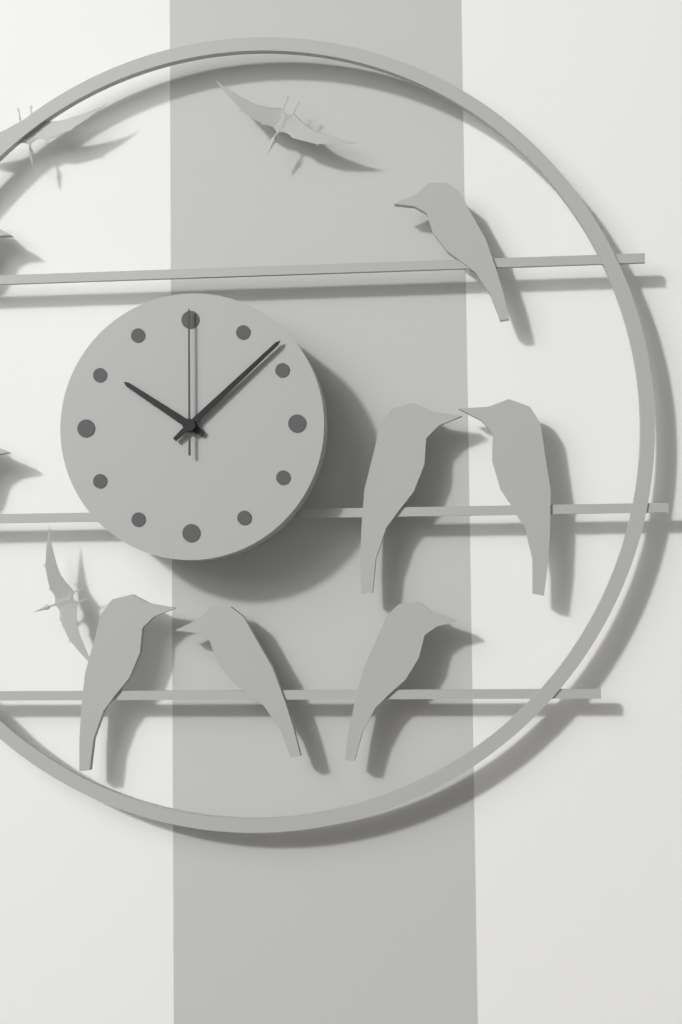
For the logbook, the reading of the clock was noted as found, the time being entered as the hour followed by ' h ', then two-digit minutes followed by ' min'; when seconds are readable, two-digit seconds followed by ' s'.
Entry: 10 h 08 min 00 s
